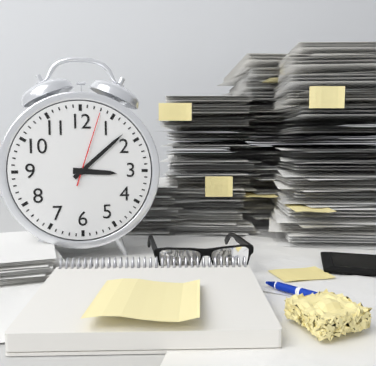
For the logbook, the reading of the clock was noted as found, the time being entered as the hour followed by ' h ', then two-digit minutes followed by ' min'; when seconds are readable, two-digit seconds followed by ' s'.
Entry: 3 h 08 min 03 s
